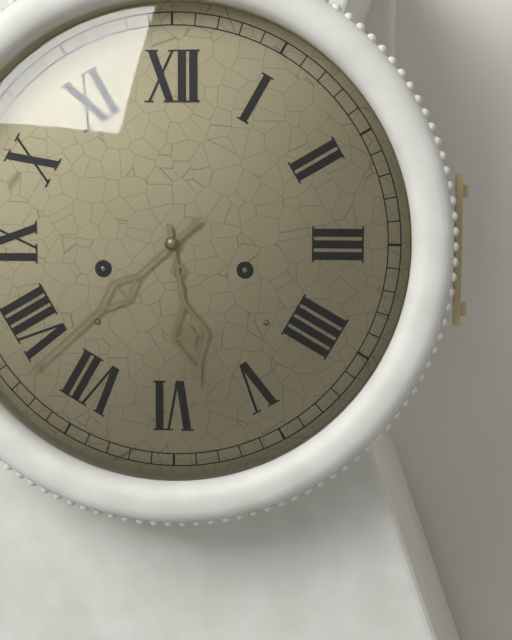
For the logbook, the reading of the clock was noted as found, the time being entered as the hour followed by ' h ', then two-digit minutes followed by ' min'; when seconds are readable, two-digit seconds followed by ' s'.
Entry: 5 h 38 min
